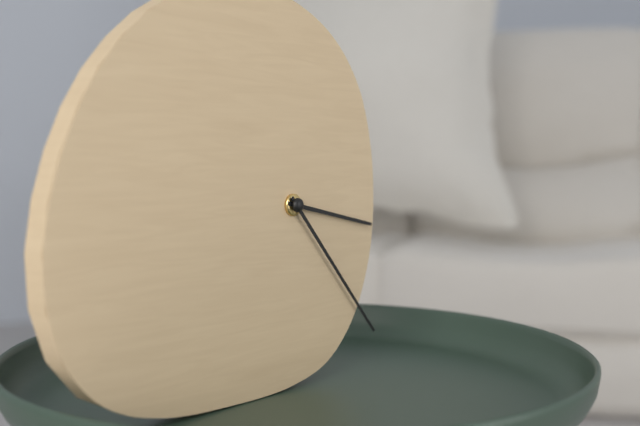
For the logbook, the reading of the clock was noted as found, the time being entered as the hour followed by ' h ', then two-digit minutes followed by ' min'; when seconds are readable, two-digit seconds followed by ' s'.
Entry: 3 h 23 min
